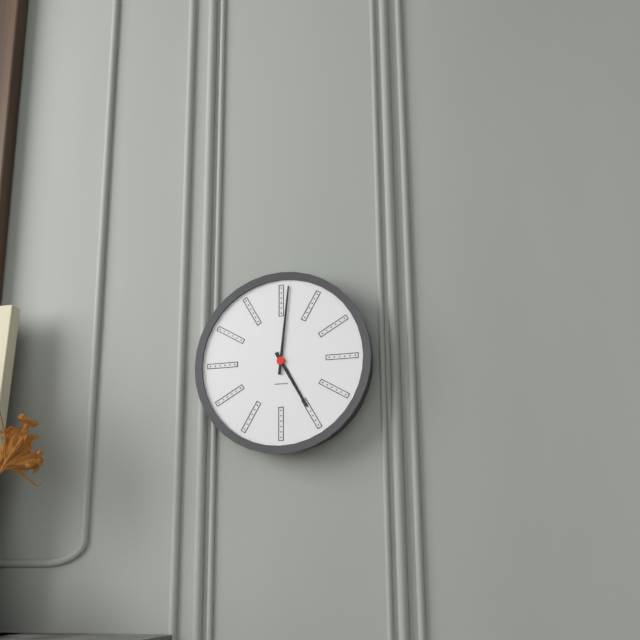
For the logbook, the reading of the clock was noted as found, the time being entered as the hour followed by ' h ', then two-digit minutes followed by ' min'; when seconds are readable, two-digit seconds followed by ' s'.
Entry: 5 h 01 min
